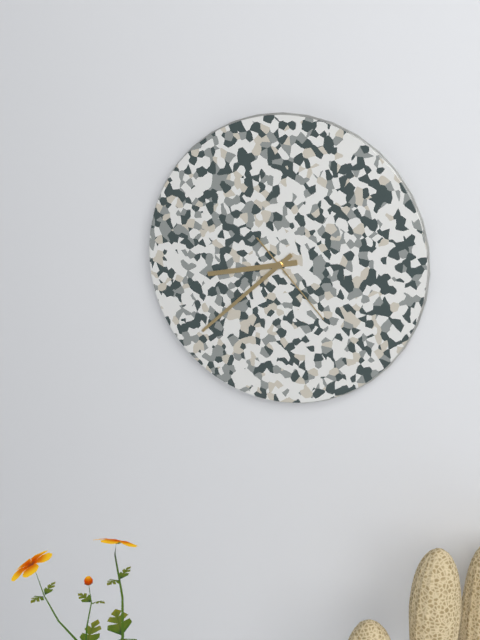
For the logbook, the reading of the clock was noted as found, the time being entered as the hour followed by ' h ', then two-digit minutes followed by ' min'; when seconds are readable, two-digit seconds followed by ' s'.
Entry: 8 h 38 min 23 s
